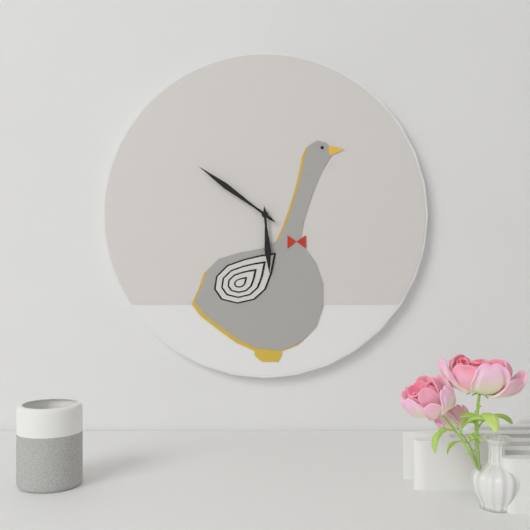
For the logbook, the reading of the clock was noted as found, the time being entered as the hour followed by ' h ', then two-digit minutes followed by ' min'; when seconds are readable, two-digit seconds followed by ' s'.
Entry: 5 h 51 min
